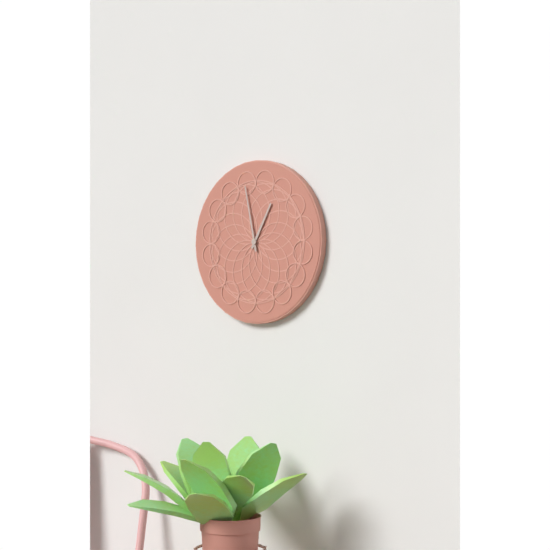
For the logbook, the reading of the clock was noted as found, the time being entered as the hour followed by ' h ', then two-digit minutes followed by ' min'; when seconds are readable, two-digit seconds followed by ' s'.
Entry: 12 h 58 min
